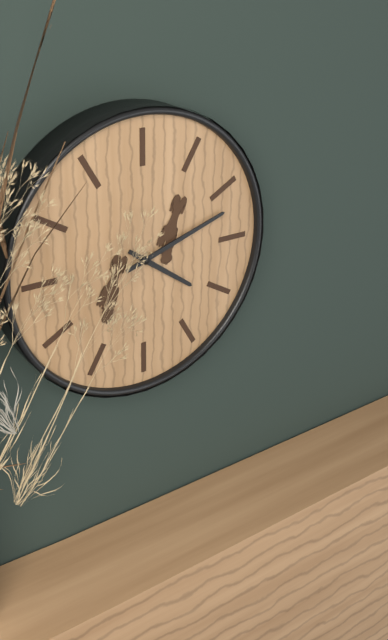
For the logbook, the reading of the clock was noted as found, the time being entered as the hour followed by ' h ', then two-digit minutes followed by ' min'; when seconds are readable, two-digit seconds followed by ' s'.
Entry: 4 h 12 min
